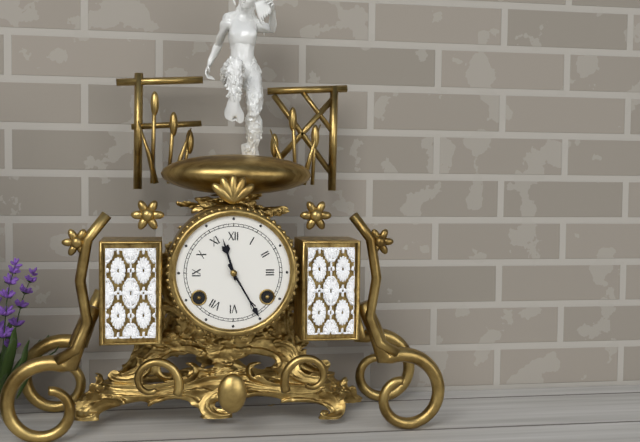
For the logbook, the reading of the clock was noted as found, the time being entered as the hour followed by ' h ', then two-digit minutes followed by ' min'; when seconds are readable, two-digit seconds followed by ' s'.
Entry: 11 h 25 min
